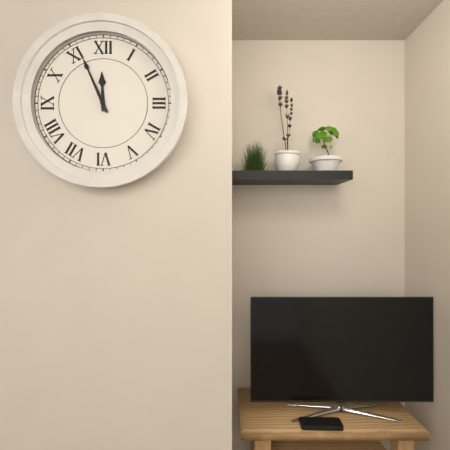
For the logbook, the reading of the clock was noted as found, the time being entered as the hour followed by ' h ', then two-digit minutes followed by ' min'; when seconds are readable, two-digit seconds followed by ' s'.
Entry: 11 h 56 min
